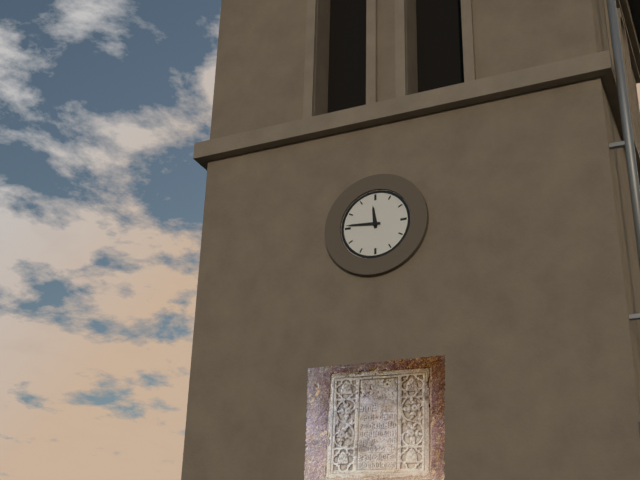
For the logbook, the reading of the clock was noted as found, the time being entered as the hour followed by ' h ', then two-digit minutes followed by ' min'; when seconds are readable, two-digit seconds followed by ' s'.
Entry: 11 h 46 min
